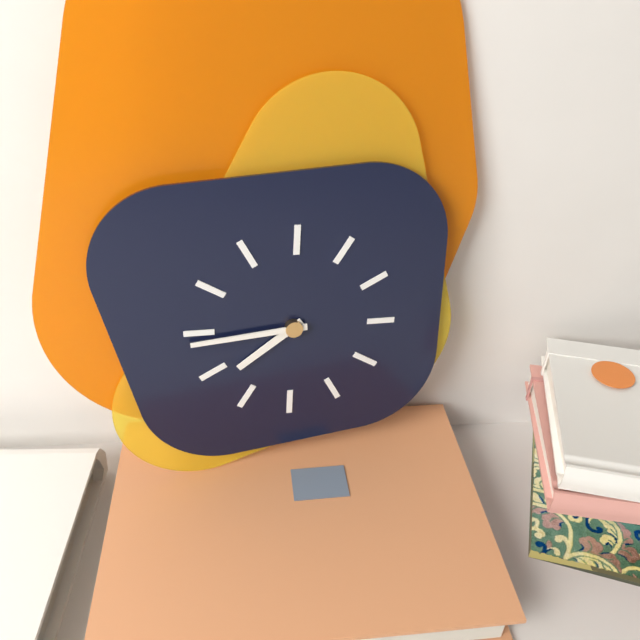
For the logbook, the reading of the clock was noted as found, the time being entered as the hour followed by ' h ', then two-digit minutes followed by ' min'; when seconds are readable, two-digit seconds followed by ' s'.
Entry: 7 h 44 min
